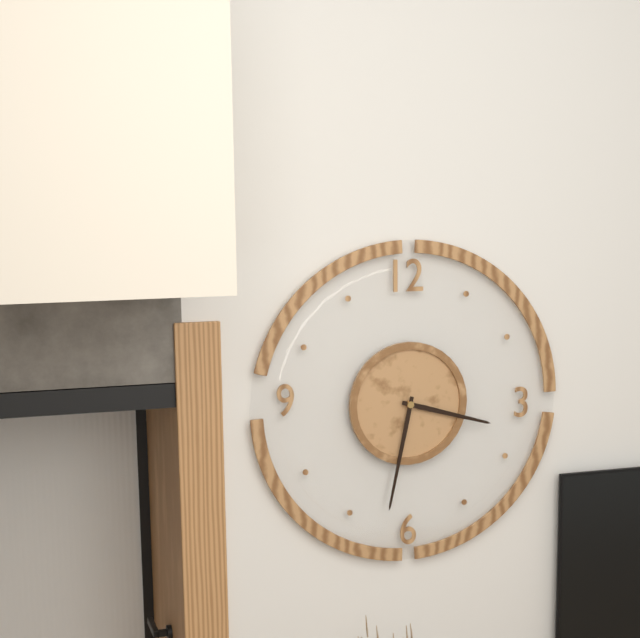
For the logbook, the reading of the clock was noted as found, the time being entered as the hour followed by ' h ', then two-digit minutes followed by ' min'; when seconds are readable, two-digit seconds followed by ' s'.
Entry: 3 h 32 min
